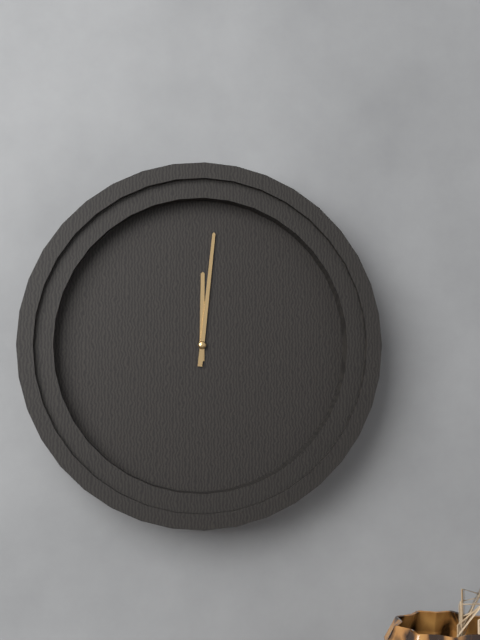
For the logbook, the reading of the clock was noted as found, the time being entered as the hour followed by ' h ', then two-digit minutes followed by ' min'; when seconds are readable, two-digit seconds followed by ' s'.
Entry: 12 h 01 min
